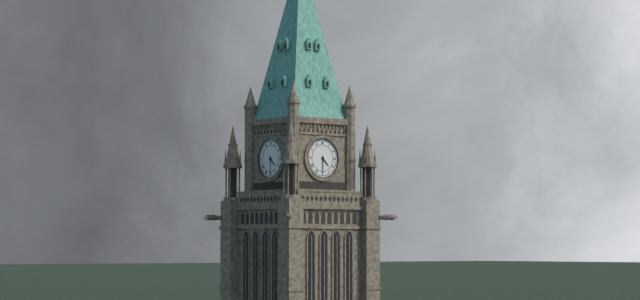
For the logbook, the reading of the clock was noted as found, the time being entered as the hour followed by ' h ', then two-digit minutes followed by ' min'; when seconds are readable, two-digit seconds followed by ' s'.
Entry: 4 h 30 min
